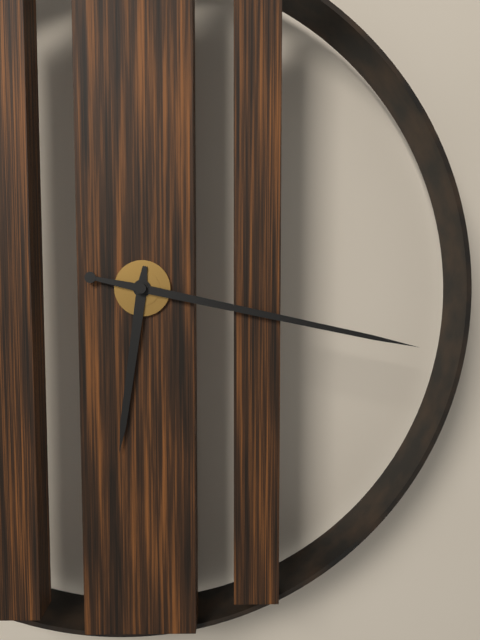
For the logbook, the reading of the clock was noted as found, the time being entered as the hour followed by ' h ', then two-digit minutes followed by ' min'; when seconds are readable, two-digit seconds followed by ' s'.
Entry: 6 h 17 min
